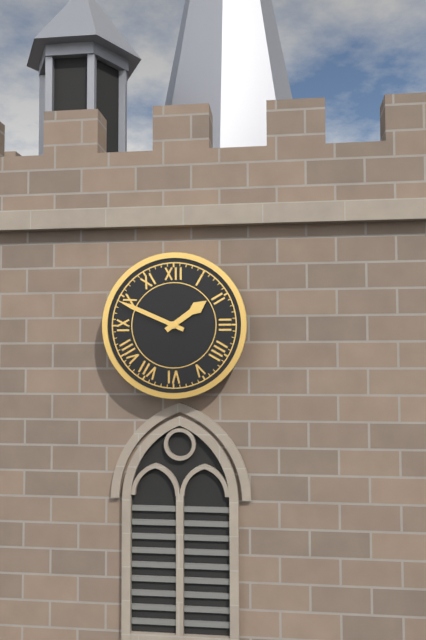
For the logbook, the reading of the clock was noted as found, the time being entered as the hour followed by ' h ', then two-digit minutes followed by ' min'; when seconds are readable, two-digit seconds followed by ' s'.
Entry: 1 h 49 min
